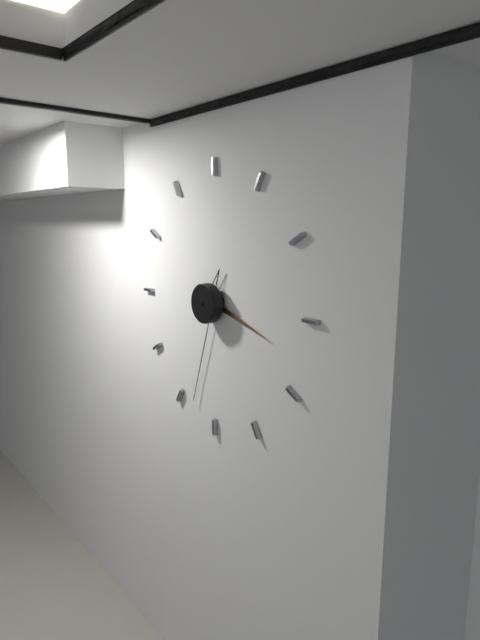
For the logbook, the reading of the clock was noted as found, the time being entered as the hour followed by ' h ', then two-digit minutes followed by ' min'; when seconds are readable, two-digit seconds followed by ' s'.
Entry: 3 h 33 min
